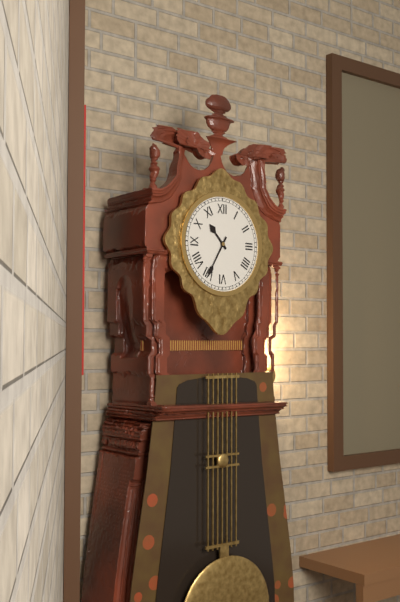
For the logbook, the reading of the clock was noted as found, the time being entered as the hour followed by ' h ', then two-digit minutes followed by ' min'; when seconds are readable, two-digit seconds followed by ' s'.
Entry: 10 h 35 min
